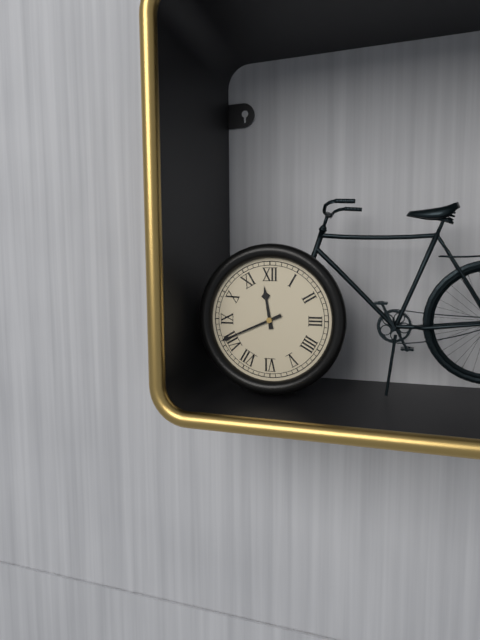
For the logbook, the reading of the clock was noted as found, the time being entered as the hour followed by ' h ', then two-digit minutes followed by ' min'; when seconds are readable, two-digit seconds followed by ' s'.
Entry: 11 h 41 min
